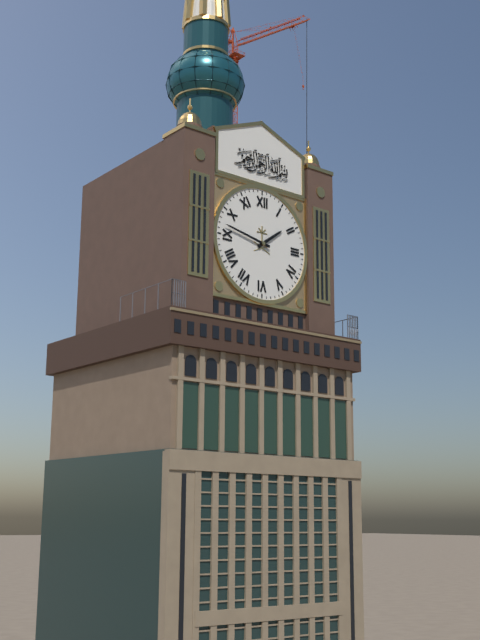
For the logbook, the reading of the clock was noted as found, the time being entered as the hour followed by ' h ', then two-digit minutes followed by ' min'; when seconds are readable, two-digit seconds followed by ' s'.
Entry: 1 h 47 min
